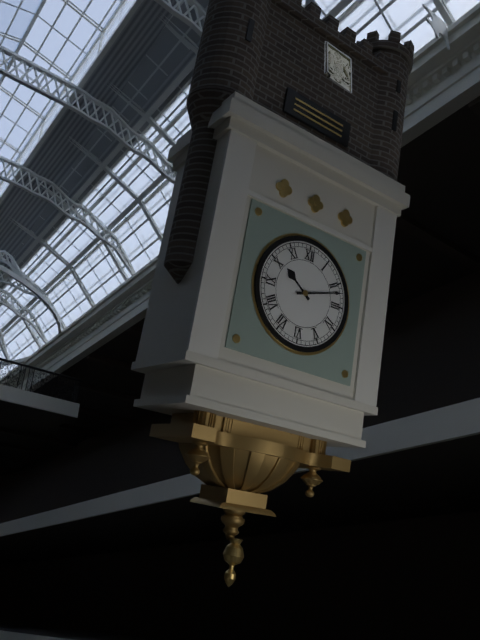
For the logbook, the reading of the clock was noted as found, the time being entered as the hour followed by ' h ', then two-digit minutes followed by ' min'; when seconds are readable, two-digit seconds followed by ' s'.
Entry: 10 h 12 min
